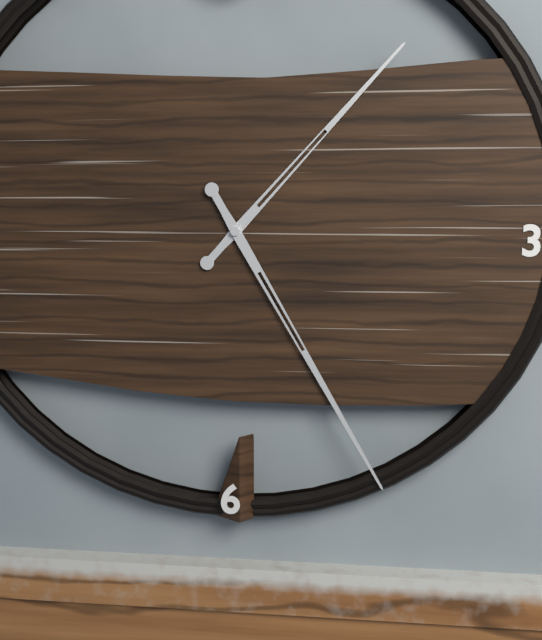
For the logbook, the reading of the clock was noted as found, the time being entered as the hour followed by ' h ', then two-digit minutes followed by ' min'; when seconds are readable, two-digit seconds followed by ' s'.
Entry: 1 h 25 min
